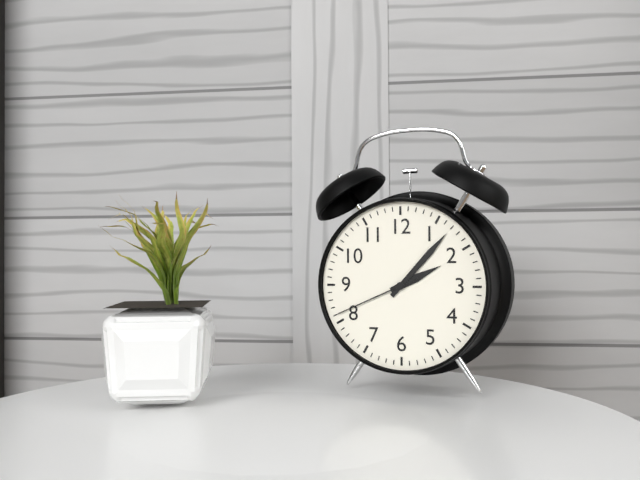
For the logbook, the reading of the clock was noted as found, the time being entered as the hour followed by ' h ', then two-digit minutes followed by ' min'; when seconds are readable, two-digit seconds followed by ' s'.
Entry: 2 h 07 min 41 s
